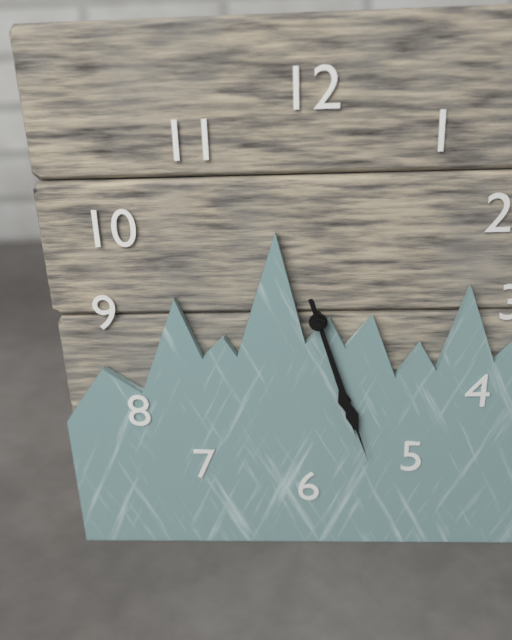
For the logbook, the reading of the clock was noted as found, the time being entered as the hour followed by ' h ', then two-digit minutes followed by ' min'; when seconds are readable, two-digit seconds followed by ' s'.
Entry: 5 h 27 min
